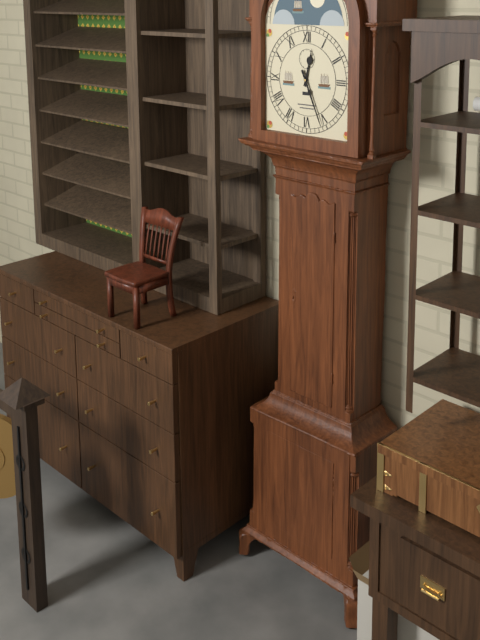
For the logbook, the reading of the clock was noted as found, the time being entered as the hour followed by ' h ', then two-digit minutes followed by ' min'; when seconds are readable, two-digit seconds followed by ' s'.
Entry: 12 h 26 min
